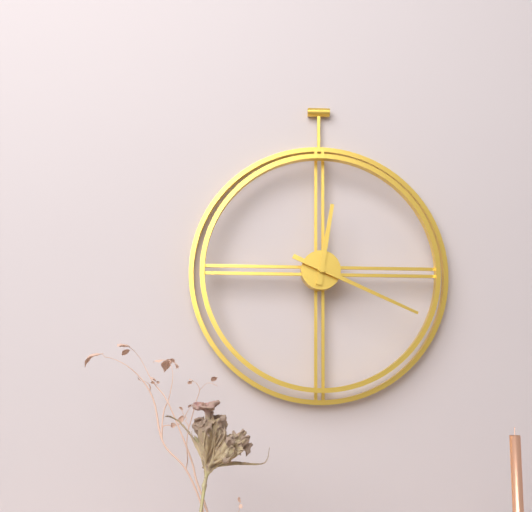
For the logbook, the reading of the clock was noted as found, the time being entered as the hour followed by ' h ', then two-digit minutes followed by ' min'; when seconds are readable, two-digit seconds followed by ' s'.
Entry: 12 h 19 min
